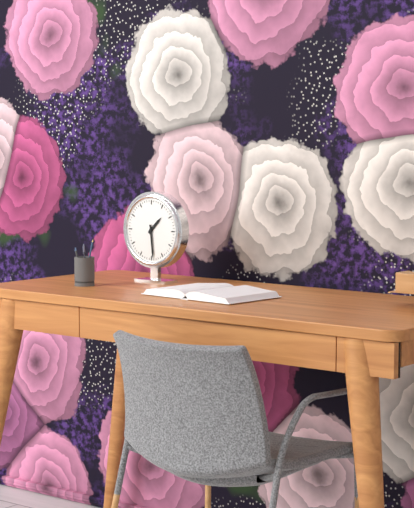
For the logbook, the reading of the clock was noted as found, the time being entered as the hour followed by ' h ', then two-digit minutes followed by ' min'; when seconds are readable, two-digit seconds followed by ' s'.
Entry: 1 h 29 min
